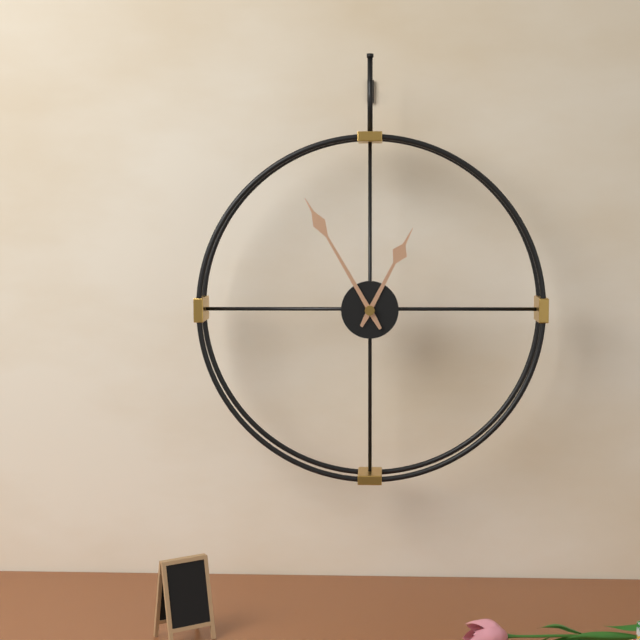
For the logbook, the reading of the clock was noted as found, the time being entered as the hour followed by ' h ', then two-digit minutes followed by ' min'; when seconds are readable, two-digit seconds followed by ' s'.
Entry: 12 h 55 min
